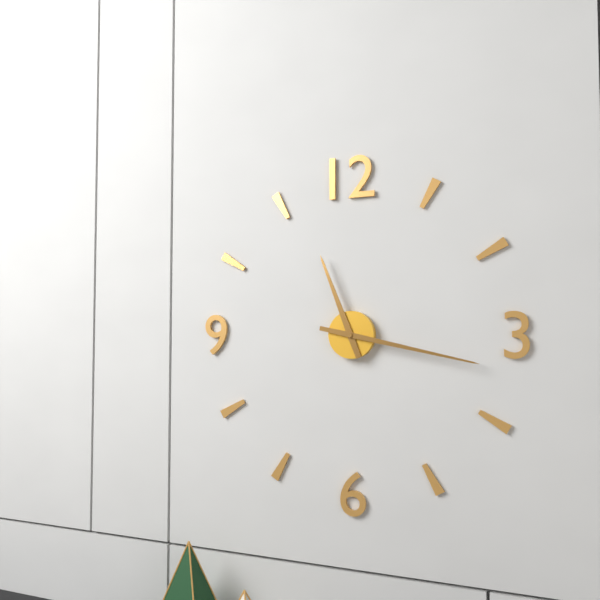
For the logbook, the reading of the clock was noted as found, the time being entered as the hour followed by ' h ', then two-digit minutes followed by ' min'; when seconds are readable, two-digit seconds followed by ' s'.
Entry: 11 h 17 min
